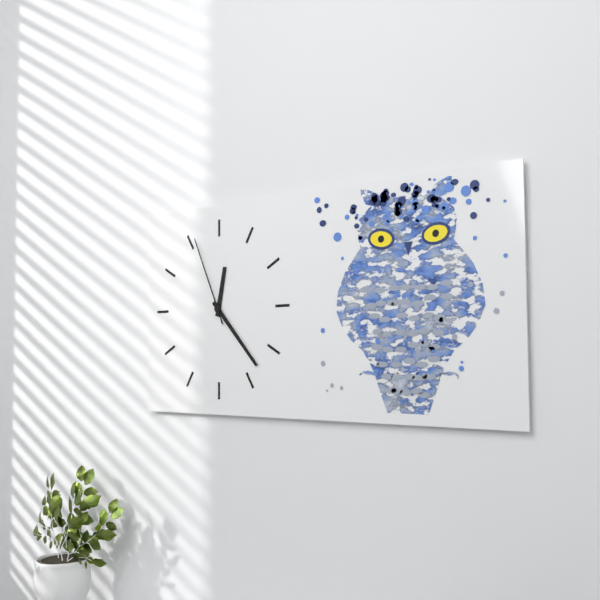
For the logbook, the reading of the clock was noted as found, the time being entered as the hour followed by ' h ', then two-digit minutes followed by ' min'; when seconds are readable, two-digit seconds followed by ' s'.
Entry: 12 h 23 min 56 s
